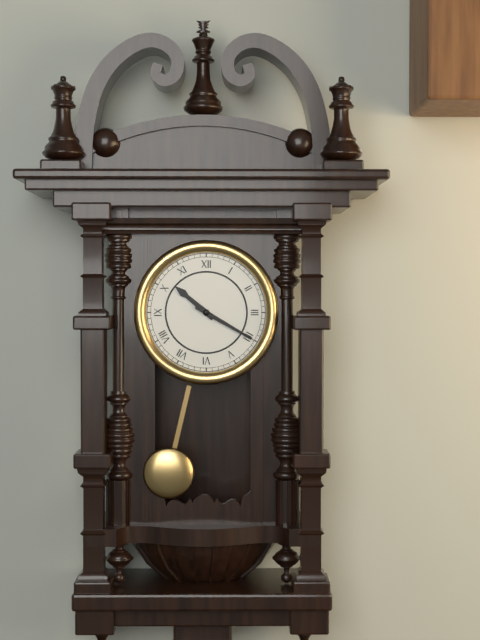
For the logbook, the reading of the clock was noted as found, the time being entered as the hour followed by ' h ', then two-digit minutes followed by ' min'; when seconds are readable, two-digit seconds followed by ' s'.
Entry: 10 h 20 min
